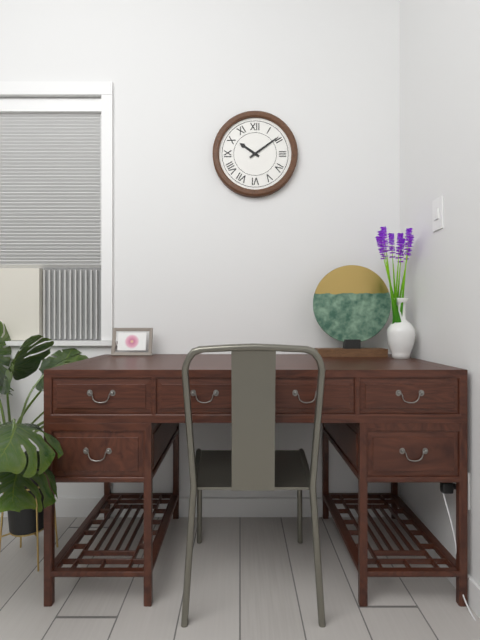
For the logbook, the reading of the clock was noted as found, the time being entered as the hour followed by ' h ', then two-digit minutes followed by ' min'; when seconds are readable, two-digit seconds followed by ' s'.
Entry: 10 h 09 min
